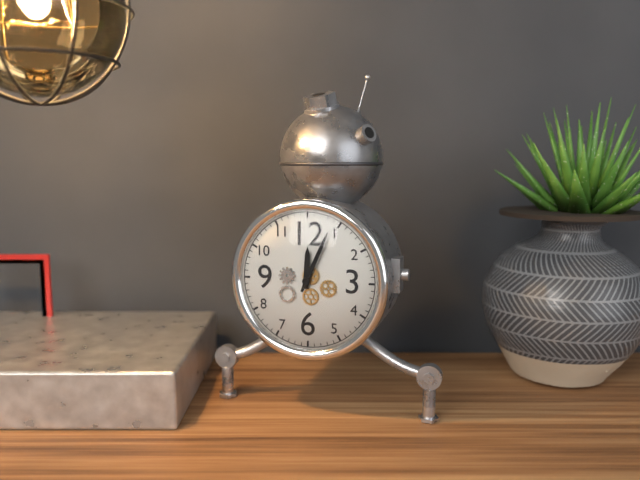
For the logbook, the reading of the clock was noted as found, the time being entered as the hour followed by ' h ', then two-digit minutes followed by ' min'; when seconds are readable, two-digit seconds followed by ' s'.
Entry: 12 h 04 min
